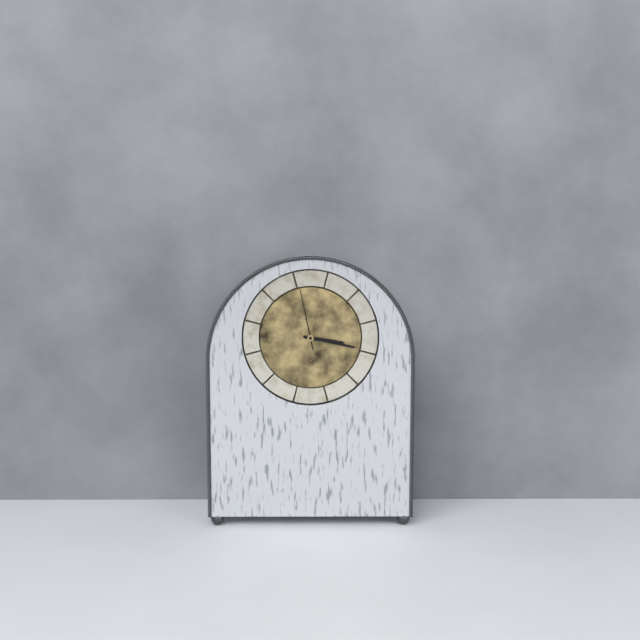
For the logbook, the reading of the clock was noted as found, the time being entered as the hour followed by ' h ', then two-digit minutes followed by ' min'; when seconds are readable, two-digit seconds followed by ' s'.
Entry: 3 h 17 min 58 s
